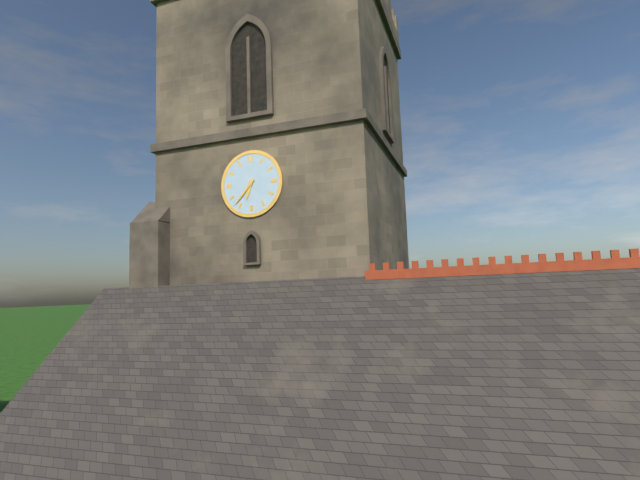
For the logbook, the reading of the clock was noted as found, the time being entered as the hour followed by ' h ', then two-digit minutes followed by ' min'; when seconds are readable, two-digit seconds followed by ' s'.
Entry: 6 h 37 min
